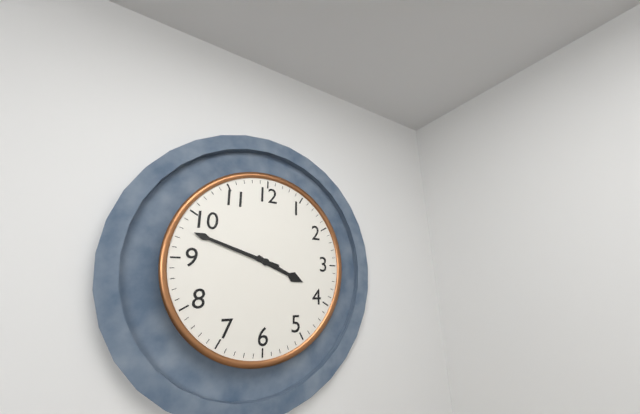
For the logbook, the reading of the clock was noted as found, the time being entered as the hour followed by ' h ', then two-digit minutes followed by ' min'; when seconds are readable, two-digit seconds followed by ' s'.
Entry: 3 h 48 min
